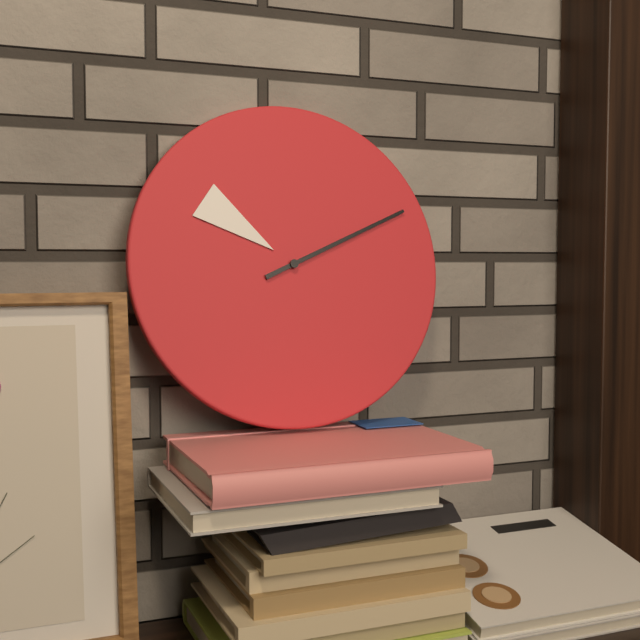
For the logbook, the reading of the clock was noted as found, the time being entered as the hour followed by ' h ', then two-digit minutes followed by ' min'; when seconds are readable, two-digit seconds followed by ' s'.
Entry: 10 h 11 min
